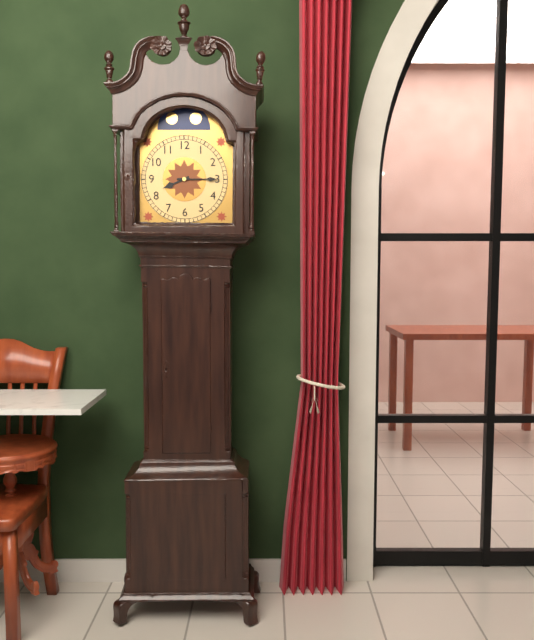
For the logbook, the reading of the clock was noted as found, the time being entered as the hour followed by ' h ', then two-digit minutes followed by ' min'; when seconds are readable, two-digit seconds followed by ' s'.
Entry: 8 h 15 min
